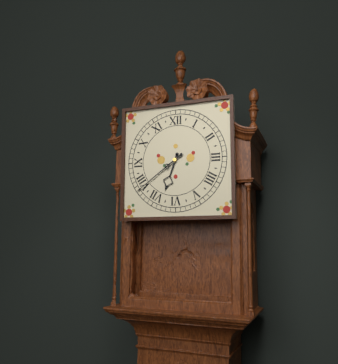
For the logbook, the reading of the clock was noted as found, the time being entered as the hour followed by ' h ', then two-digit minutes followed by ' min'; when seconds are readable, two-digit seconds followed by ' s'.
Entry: 6 h 39 min
